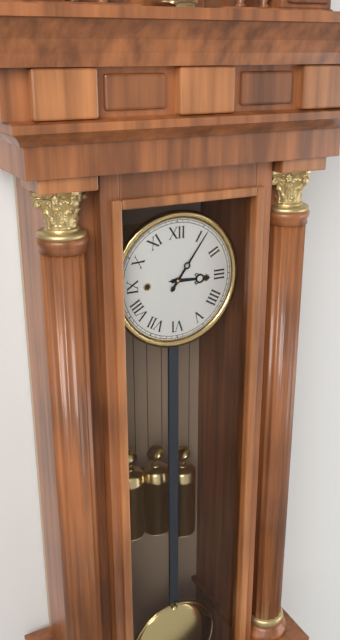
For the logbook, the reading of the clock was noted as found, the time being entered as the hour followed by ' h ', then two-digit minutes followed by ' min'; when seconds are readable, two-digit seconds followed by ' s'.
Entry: 3 h 06 min
